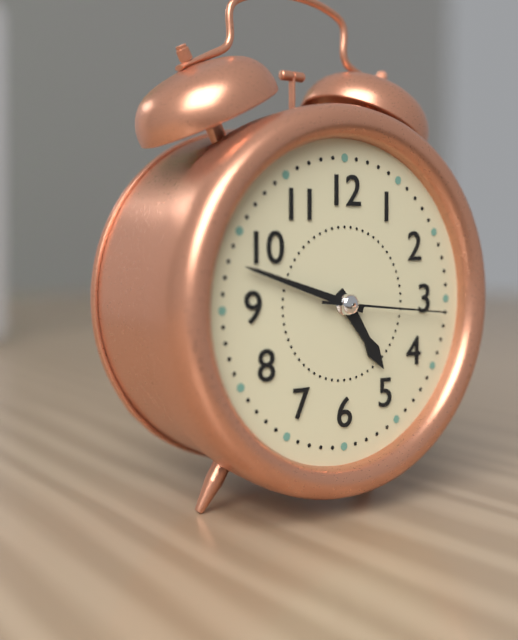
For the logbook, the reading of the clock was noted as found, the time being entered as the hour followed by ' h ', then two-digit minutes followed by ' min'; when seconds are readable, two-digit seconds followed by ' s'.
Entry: 4 h 48 min 16 s
